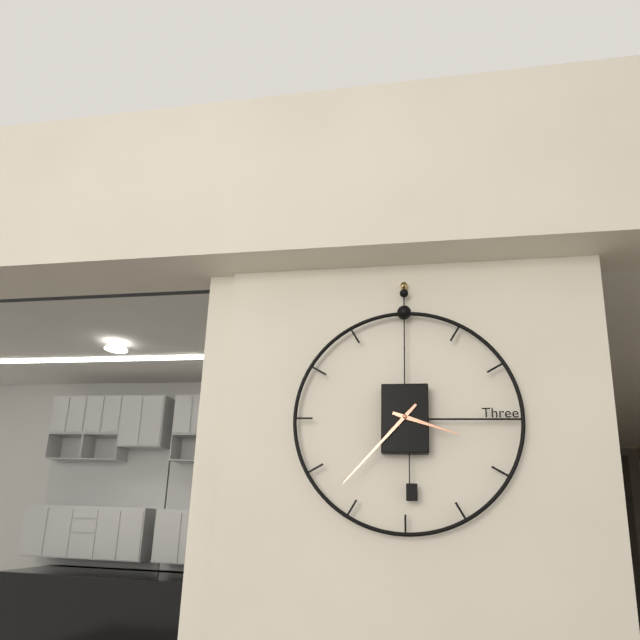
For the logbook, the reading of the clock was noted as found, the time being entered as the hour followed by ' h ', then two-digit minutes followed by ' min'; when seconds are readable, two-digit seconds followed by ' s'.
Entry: 3 h 37 min
